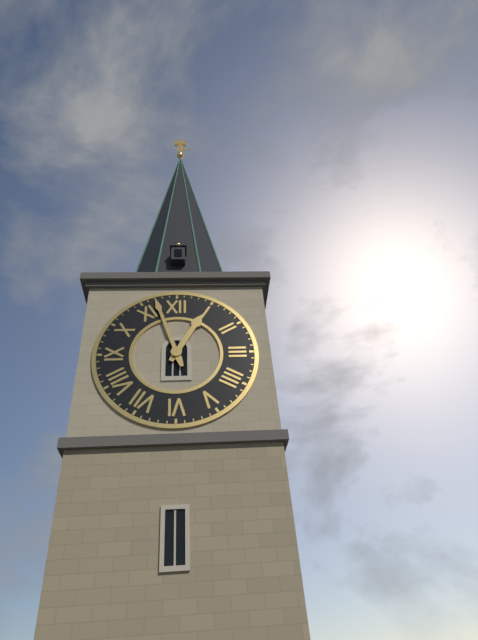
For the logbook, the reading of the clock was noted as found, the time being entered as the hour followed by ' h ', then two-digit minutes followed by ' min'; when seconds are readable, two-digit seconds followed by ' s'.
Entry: 12 h 57 min
